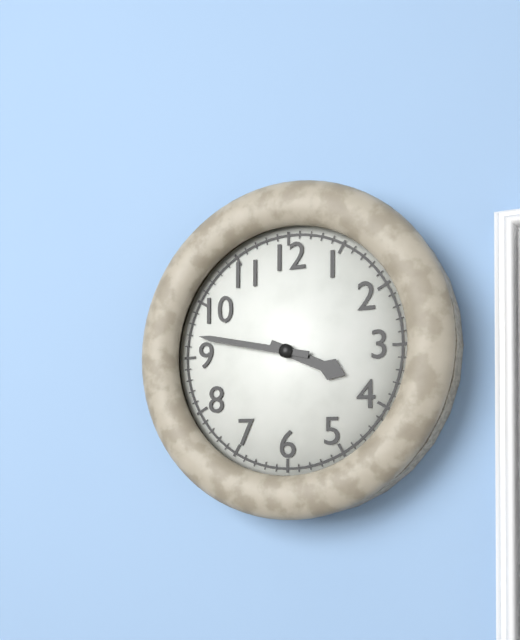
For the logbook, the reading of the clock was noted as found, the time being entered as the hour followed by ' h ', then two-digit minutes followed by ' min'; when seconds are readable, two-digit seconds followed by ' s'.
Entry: 3 h 47 min
